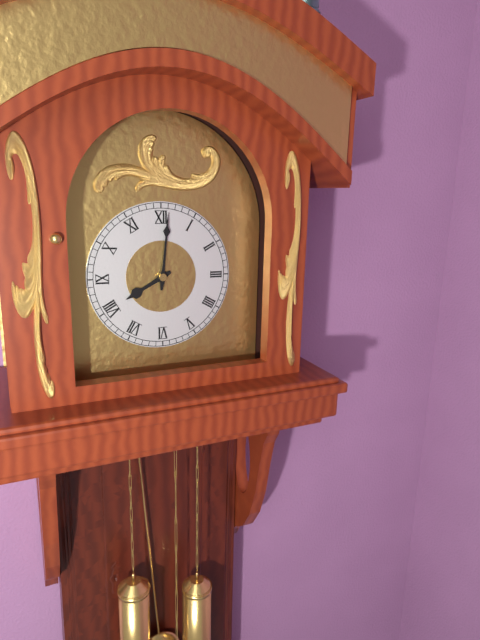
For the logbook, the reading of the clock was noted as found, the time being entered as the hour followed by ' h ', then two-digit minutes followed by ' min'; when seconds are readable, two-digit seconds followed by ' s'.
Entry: 8 h 01 min
